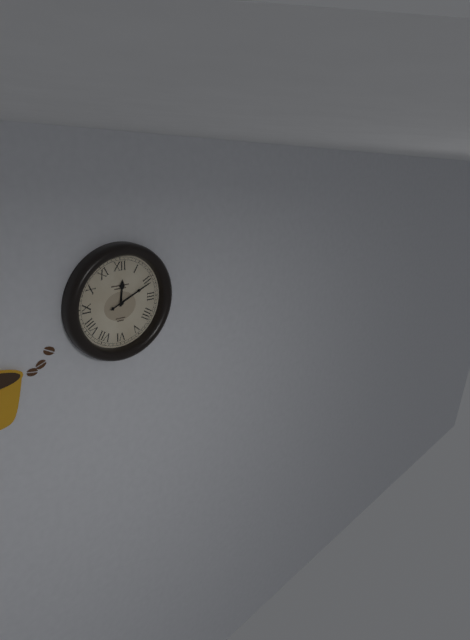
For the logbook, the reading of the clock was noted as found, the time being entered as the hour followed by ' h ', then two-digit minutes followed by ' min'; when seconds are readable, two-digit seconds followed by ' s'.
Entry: 12 h 11 min
